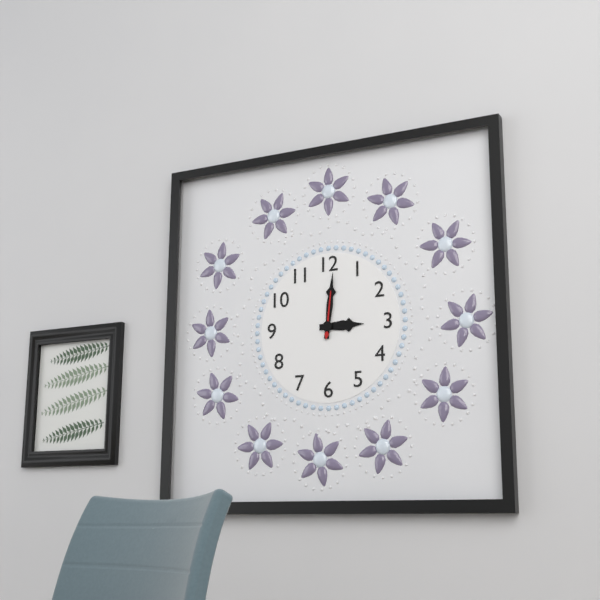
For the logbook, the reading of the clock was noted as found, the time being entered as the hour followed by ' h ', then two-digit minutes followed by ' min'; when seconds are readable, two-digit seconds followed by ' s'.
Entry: 3 h 01 min
